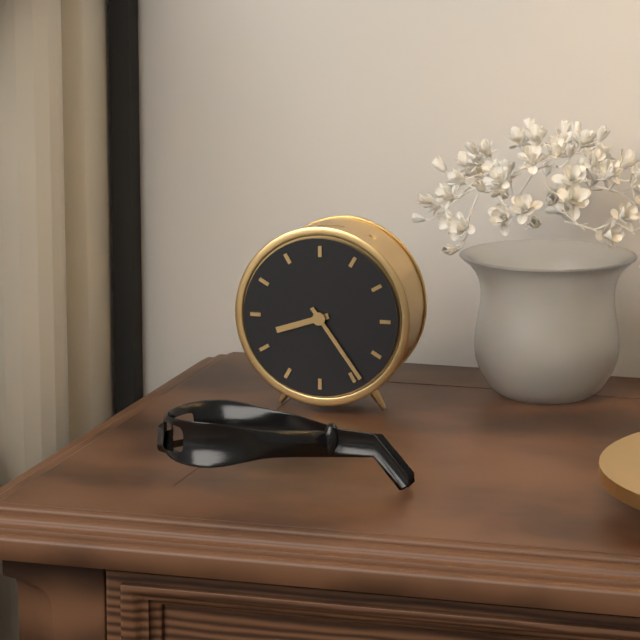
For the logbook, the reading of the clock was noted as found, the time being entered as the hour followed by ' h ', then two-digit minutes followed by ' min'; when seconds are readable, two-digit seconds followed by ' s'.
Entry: 8 h 24 min
